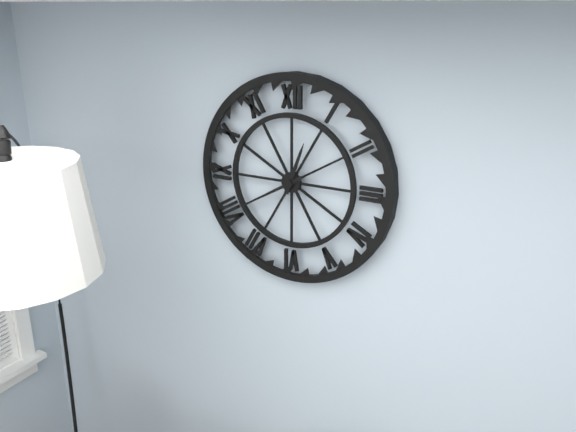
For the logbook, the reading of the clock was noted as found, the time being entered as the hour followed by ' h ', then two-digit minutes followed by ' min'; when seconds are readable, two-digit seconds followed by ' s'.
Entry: 12 h 40 min
